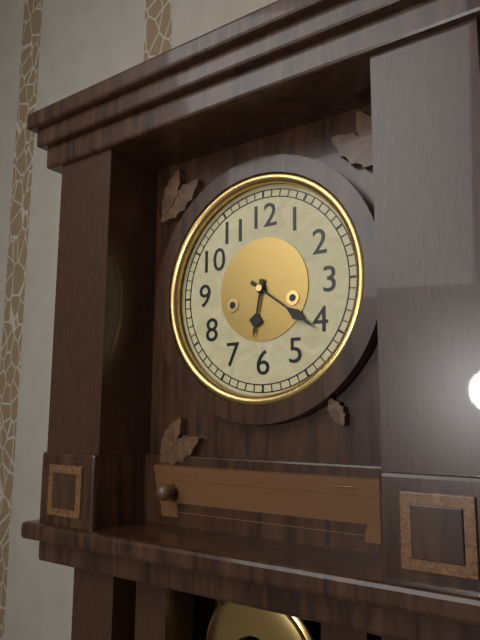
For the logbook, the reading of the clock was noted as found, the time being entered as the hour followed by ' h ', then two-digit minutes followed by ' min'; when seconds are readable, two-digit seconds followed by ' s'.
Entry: 6 h 21 min
